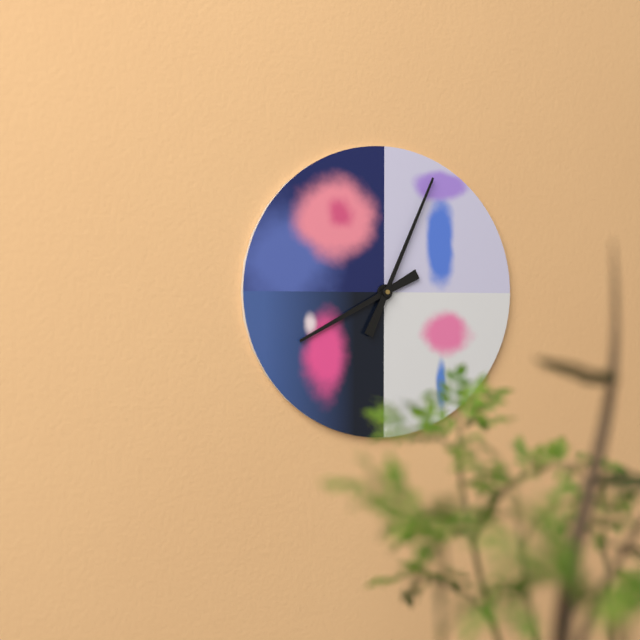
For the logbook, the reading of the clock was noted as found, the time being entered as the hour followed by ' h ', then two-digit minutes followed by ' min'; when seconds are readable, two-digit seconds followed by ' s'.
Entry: 8 h 04 min
